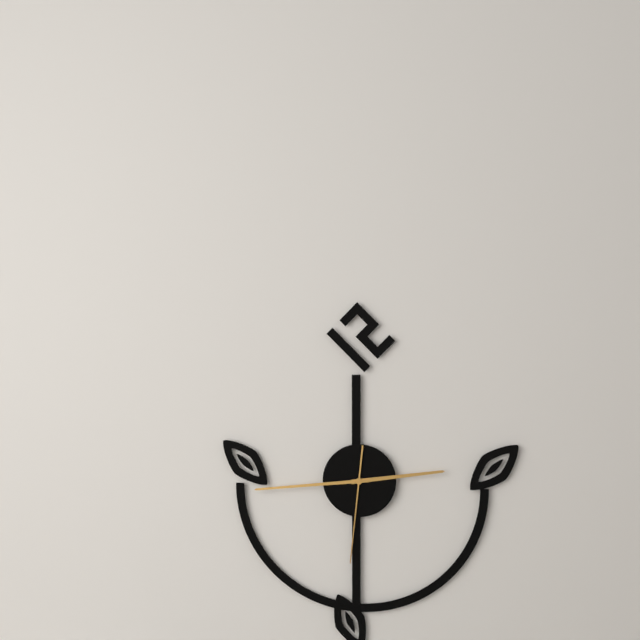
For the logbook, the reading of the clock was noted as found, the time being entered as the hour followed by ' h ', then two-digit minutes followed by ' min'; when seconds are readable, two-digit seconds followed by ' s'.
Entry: 2 h 44 min 31 s
